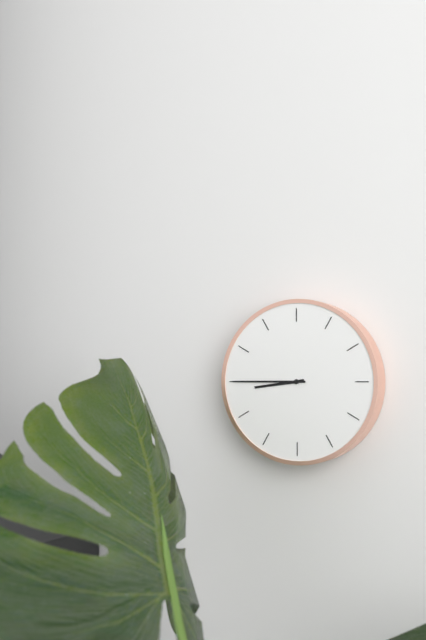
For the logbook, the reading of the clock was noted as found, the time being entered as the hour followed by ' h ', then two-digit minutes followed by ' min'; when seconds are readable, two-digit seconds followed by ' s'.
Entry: 8 h 45 min
